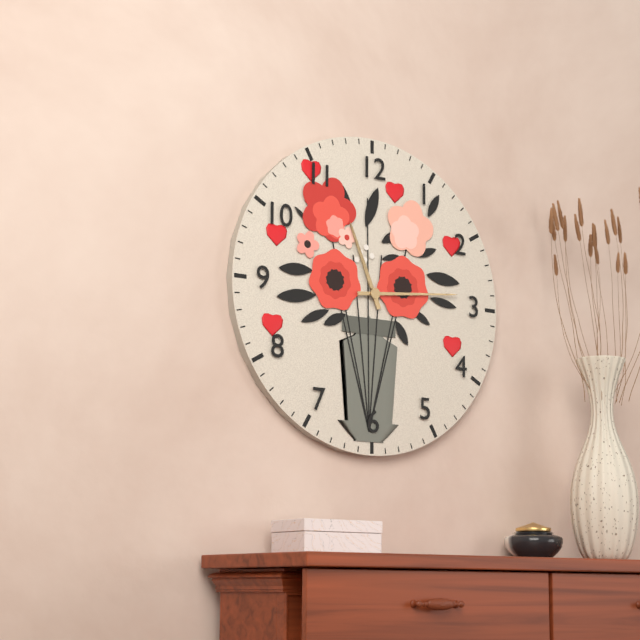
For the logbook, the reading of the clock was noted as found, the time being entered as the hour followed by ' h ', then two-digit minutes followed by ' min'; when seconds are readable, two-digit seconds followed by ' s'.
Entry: 11 h 14 min
